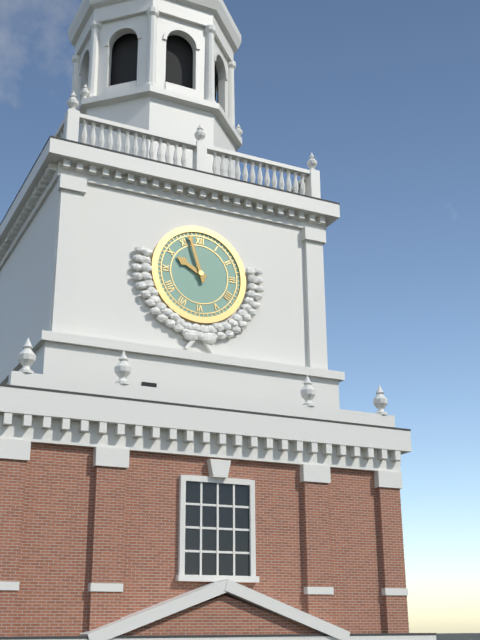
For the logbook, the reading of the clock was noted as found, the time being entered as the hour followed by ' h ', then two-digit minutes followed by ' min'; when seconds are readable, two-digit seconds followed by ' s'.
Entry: 9 h 57 min
